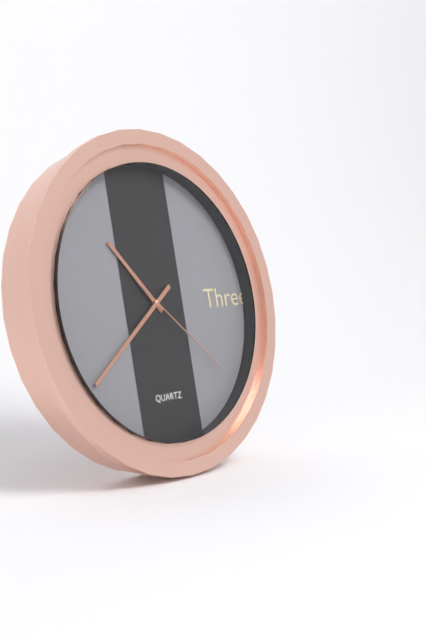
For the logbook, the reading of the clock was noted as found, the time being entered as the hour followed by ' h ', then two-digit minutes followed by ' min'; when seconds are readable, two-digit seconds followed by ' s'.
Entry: 10 h 39 min 22 s
